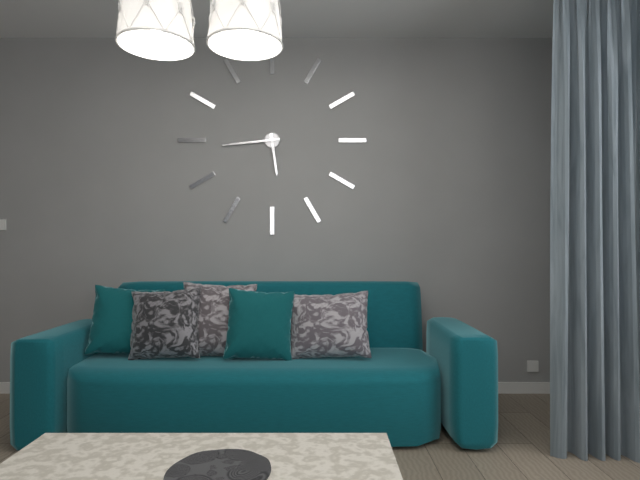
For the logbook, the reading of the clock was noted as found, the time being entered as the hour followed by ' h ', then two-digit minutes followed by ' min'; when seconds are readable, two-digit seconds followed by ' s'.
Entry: 5 h 44 min
